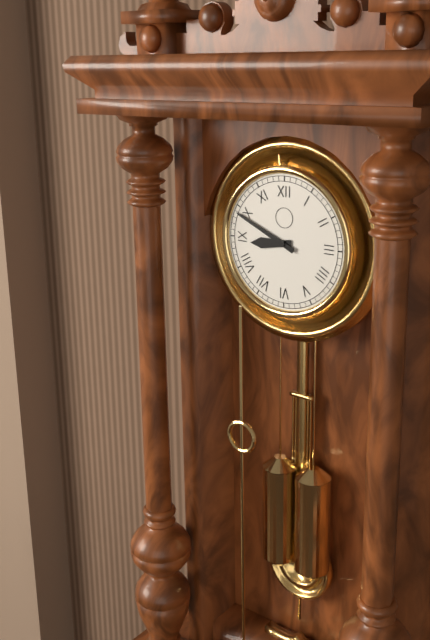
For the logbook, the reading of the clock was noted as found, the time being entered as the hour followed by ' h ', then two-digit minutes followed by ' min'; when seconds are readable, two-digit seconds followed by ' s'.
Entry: 8 h 49 min
